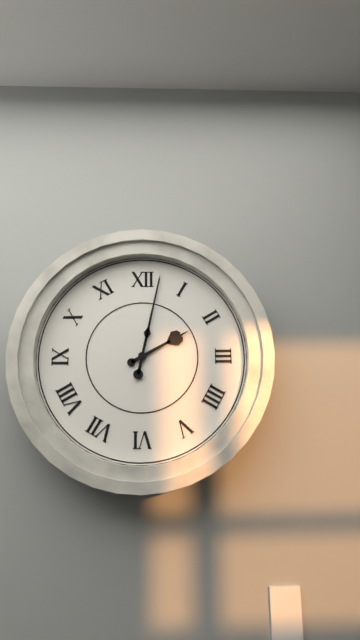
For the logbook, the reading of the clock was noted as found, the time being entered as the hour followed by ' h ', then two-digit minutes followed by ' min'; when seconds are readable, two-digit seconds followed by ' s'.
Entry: 2 h 02 min
